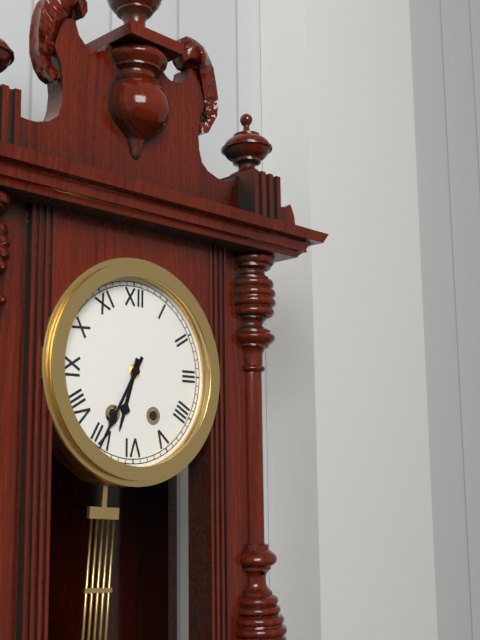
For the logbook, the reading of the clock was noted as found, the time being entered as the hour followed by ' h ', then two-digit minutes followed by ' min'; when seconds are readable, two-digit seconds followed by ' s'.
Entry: 6 h 35 min
